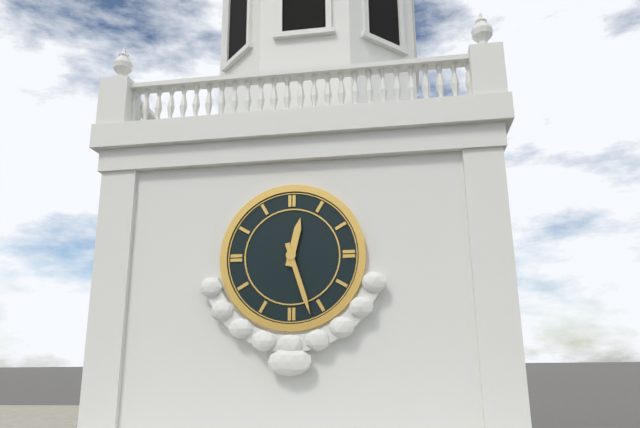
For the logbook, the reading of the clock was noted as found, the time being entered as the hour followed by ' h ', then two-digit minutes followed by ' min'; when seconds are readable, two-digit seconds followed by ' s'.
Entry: 12 h 27 min
